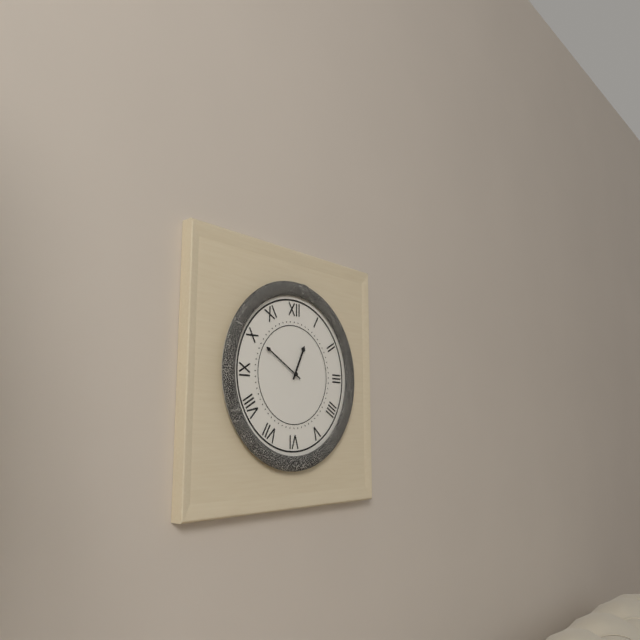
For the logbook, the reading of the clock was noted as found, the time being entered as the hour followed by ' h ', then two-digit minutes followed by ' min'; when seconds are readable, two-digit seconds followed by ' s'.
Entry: 12 h 50 min
